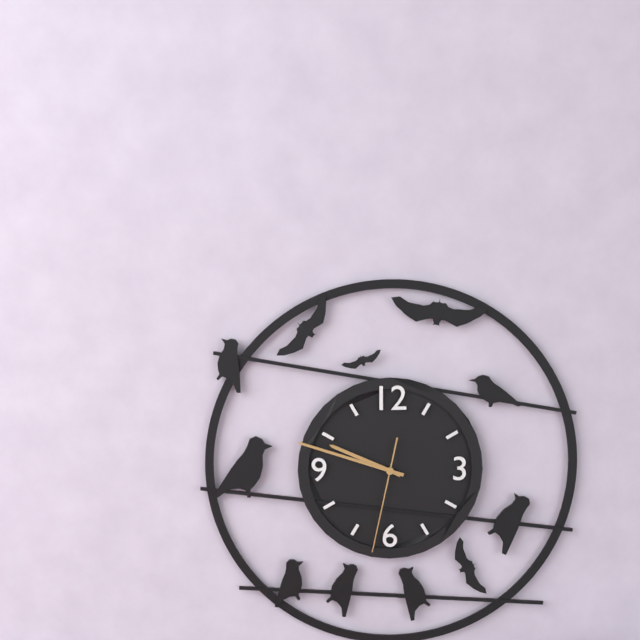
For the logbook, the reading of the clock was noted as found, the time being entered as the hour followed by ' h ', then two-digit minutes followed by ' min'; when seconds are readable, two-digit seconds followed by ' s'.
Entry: 9 h 48 min 32 s
